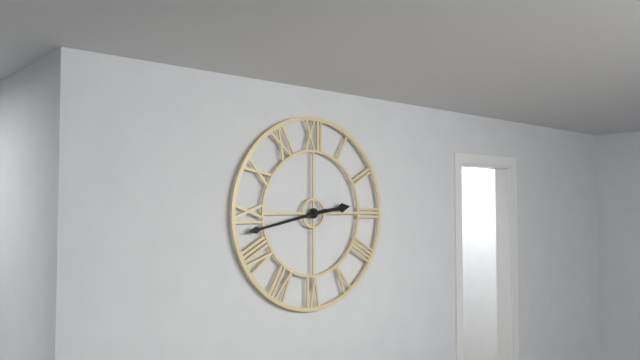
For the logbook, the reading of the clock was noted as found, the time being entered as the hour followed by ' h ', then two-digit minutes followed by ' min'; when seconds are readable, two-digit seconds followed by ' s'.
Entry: 2 h 43 min
